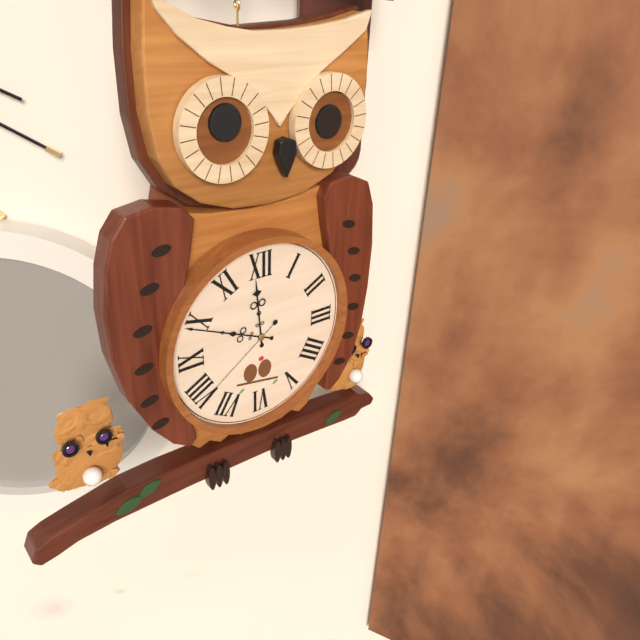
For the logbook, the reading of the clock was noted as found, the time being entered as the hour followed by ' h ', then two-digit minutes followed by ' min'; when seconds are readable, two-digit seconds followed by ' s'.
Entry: 11 h 49 min 39 s
